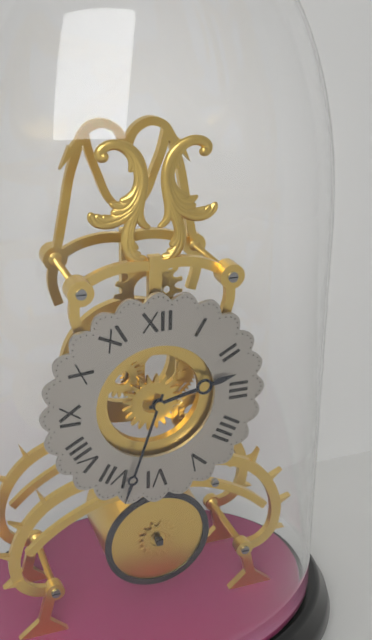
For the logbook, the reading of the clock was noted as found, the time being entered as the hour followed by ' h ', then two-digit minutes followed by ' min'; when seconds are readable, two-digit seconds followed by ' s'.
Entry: 2 h 33 min
